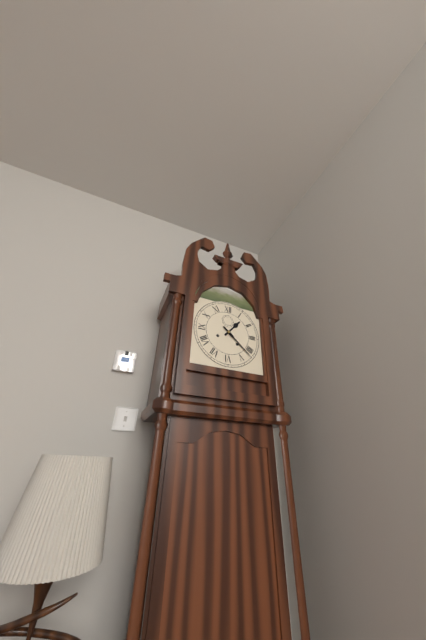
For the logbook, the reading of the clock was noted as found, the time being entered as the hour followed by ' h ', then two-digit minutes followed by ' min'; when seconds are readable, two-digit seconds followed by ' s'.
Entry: 1 h 22 min
